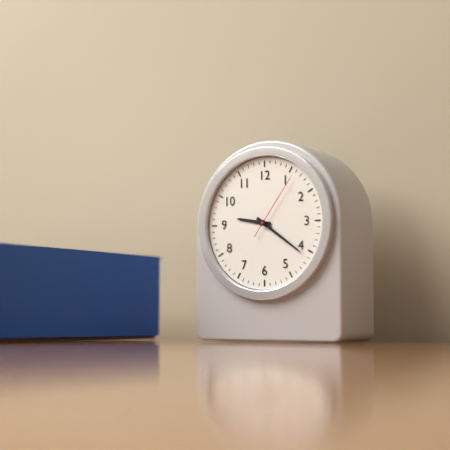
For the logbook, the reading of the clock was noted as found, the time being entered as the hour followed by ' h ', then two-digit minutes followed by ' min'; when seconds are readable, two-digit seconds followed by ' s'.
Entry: 9 h 21 min 06 s
